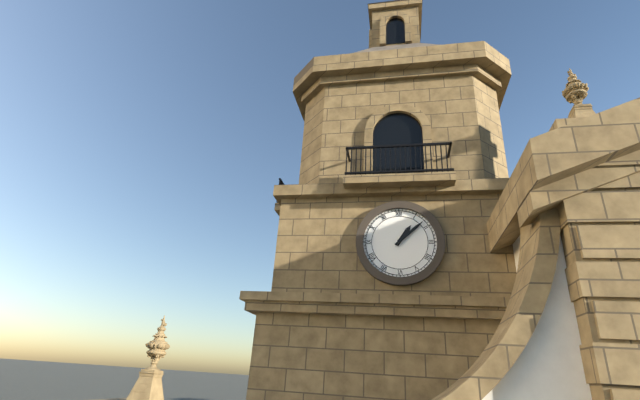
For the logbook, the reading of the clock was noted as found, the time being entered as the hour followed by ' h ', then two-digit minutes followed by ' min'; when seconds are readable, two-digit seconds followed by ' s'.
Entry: 1 h 08 min
